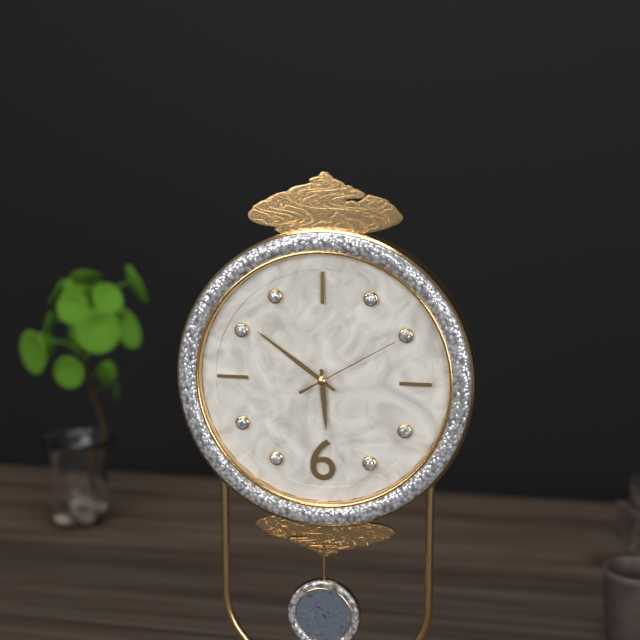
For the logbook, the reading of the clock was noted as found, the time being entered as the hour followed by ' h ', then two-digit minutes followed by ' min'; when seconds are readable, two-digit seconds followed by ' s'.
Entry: 5 h 51 min 10 s
